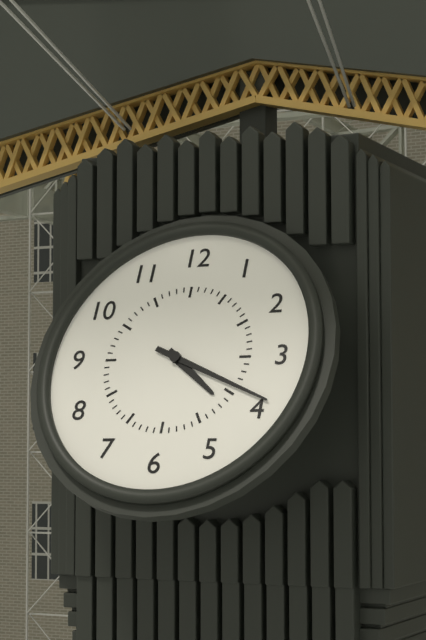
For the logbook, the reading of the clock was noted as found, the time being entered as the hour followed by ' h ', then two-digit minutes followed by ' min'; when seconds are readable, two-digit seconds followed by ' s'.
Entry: 4 h 19 min
